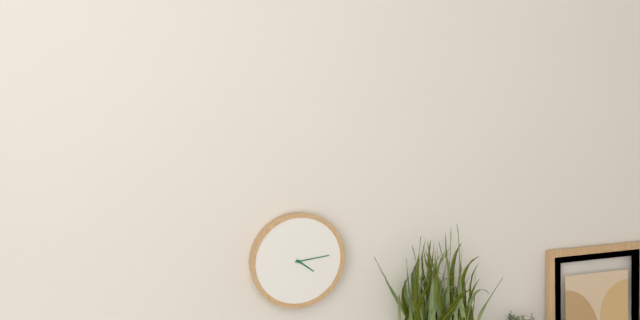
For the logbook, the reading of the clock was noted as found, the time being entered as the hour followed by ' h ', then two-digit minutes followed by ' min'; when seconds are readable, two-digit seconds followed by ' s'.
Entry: 4 h 14 min
